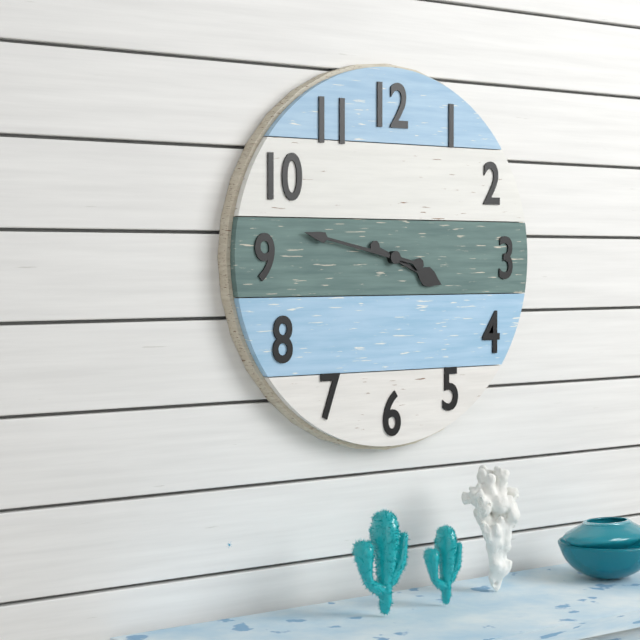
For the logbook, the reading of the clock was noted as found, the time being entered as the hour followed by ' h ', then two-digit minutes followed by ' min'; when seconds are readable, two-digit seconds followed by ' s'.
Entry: 3 h 47 min
